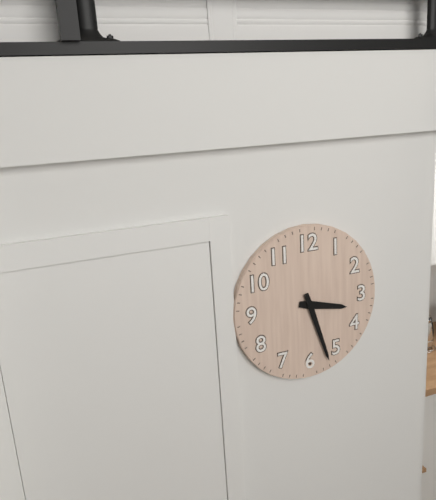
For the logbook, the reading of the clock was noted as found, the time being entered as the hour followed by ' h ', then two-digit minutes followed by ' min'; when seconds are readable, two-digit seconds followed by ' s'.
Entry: 3 h 27 min
